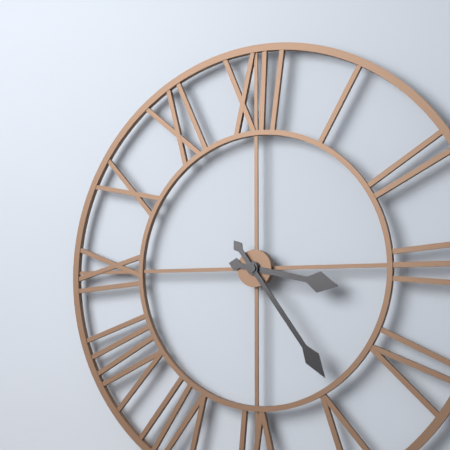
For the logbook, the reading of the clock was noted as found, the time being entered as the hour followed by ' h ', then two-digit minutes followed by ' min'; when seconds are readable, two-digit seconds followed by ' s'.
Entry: 3 h 24 min
